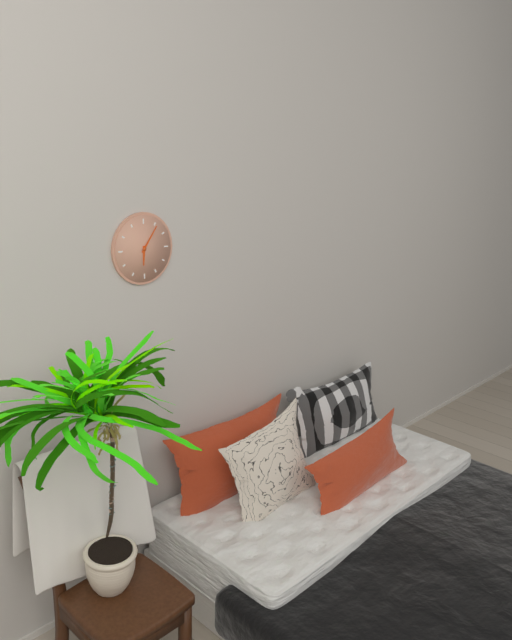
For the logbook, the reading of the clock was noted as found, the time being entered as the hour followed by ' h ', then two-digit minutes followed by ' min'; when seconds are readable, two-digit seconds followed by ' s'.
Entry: 6 h 06 min
